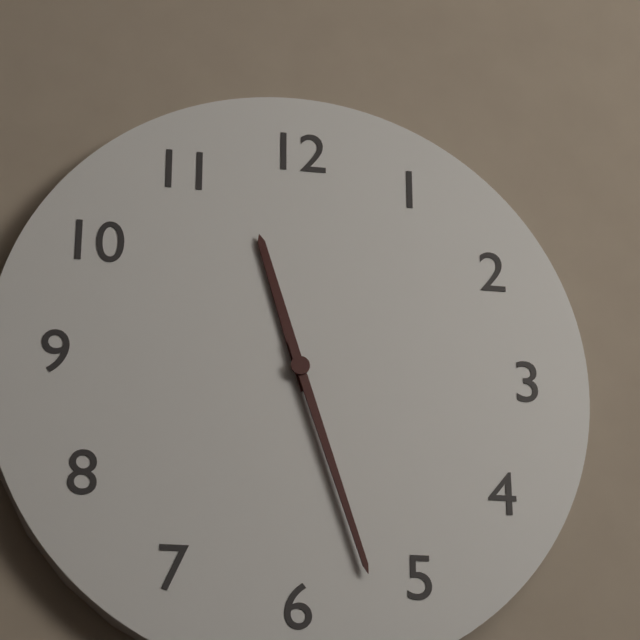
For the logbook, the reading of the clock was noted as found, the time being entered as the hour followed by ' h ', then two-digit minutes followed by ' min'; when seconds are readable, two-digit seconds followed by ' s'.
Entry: 11 h 27 min
